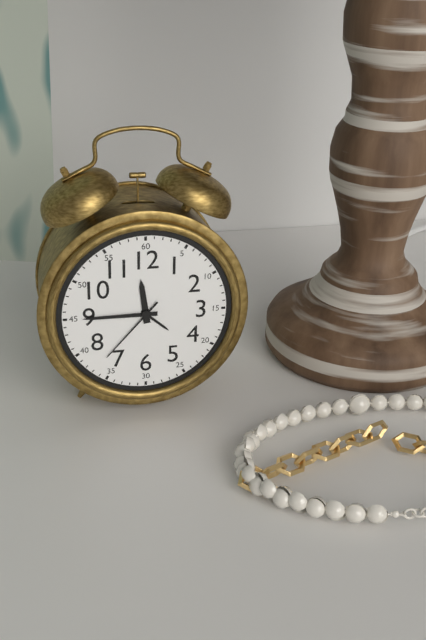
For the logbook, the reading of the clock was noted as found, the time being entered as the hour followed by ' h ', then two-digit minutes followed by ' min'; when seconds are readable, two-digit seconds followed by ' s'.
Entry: 11 h 45 min 37 s
